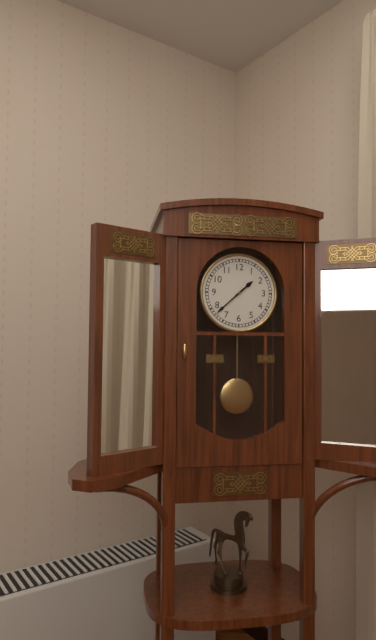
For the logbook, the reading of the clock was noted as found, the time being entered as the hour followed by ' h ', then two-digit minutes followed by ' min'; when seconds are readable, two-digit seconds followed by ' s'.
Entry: 1 h 38 min
